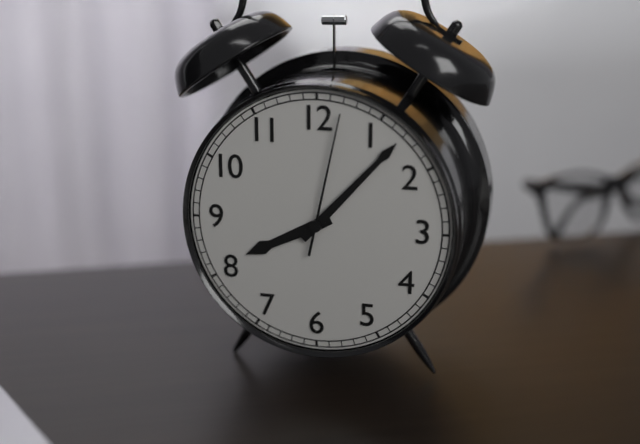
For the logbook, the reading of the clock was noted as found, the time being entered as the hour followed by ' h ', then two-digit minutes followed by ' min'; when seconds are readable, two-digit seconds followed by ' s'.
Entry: 8 h 07 min 02 s
